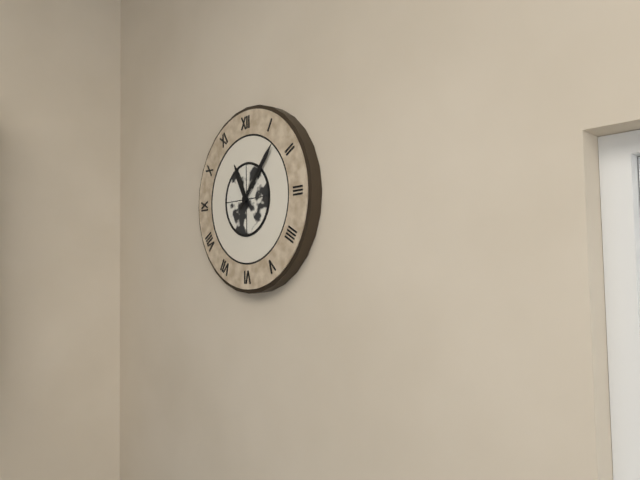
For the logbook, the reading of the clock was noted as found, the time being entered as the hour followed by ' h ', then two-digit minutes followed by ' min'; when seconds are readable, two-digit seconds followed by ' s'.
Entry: 11 h 07 min
